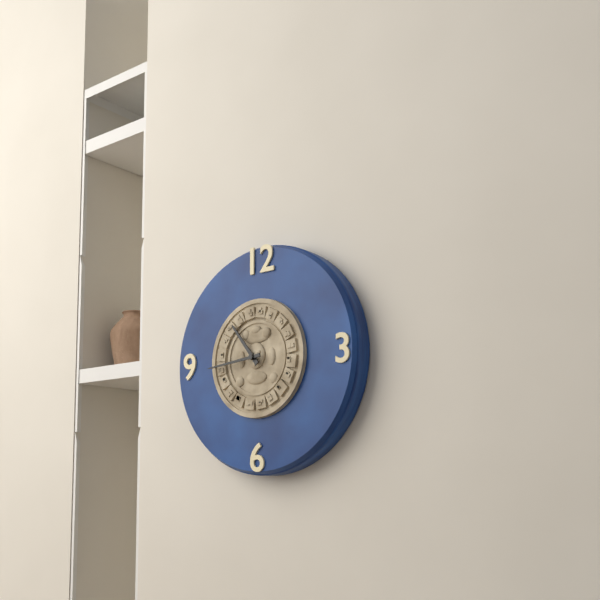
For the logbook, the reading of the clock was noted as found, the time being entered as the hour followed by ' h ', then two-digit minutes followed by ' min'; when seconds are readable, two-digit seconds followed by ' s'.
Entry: 10 h 44 min
